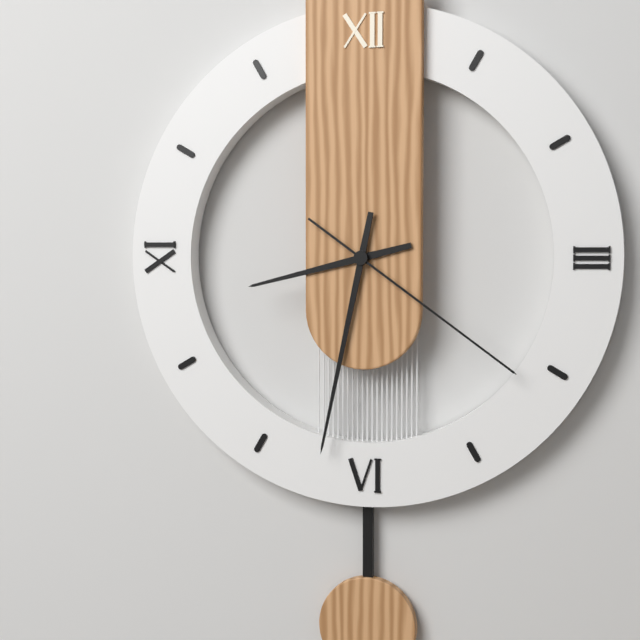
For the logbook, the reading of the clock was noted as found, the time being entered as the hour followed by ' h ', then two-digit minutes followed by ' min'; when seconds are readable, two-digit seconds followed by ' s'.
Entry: 8 h 32 min 21 s
